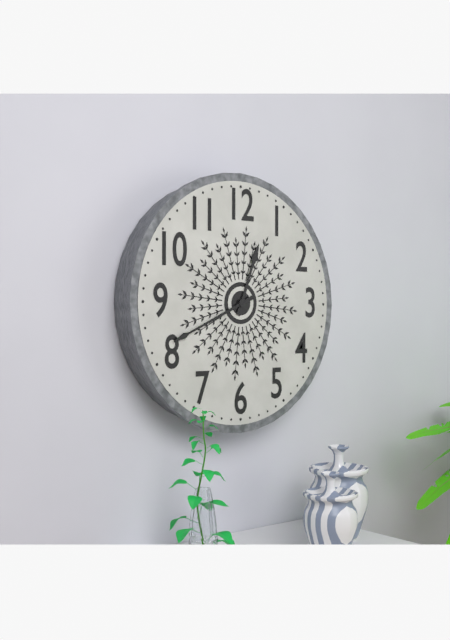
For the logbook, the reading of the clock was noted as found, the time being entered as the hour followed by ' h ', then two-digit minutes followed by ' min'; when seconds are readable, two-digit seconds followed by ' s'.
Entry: 12 h 41 min
